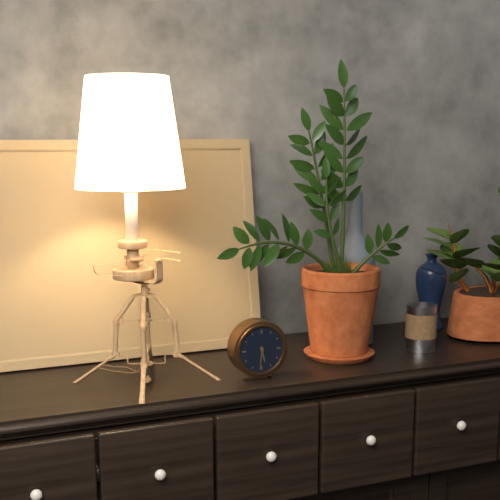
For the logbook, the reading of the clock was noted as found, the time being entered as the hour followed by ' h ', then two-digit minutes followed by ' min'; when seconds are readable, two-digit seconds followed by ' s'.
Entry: 5 h 31 min
